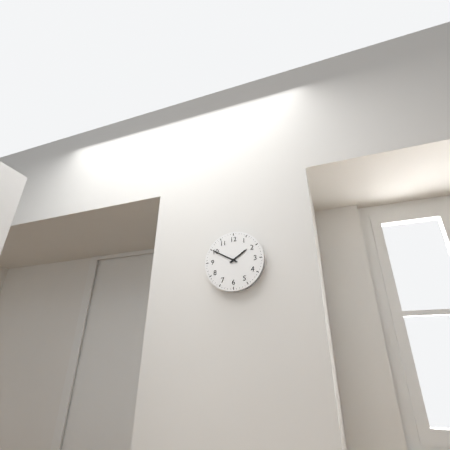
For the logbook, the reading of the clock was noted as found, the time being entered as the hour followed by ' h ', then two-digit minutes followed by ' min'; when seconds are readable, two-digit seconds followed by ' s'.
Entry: 1 h 50 min
